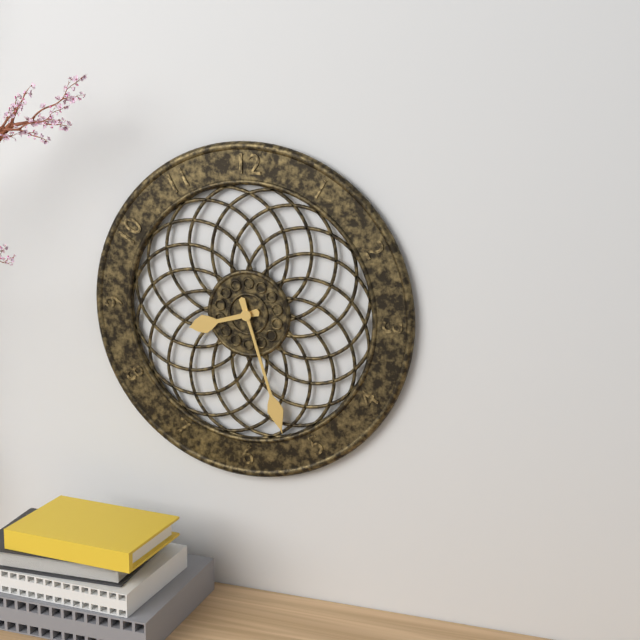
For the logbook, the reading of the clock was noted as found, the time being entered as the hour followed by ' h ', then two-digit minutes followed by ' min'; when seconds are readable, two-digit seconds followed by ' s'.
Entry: 8 h 27 min
